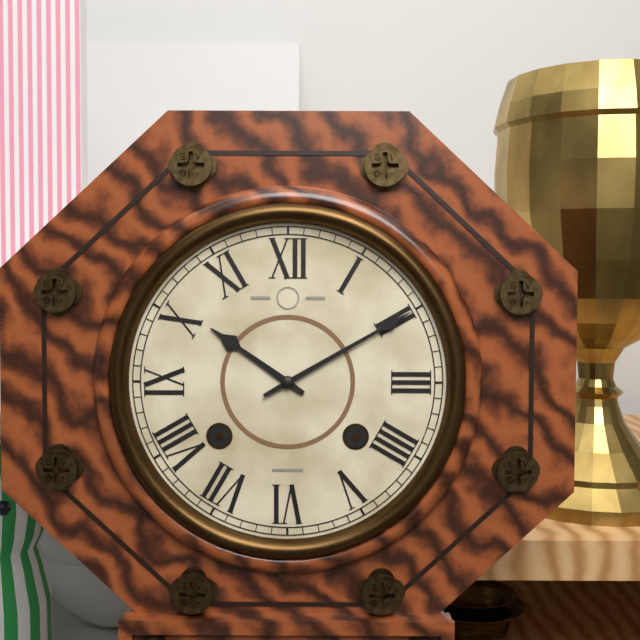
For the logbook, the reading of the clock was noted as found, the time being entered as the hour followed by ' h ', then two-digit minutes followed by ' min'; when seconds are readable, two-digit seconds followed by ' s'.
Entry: 10 h 10 min
